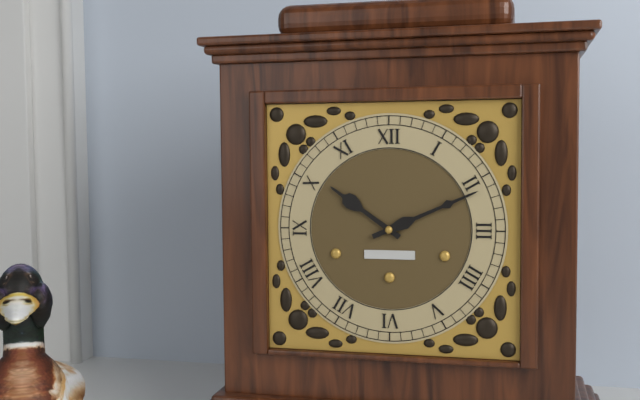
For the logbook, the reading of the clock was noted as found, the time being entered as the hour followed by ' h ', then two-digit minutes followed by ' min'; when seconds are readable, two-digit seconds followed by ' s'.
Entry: 10 h 11 min
